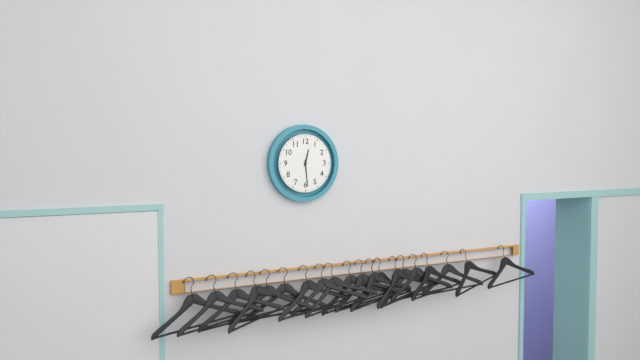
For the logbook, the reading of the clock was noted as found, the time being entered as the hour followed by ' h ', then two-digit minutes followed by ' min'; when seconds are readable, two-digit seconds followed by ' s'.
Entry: 12 h 29 min
